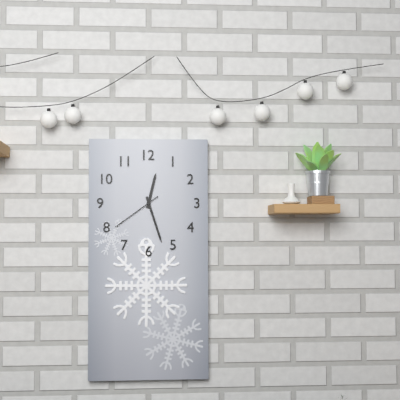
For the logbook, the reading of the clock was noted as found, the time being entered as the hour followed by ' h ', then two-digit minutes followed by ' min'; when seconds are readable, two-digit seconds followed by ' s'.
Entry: 12 h 27 min 39 s
